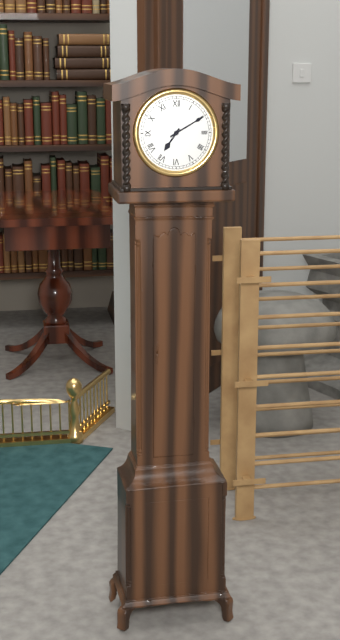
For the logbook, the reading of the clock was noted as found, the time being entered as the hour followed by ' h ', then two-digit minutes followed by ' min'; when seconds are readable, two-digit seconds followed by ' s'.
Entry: 7 h 10 min
